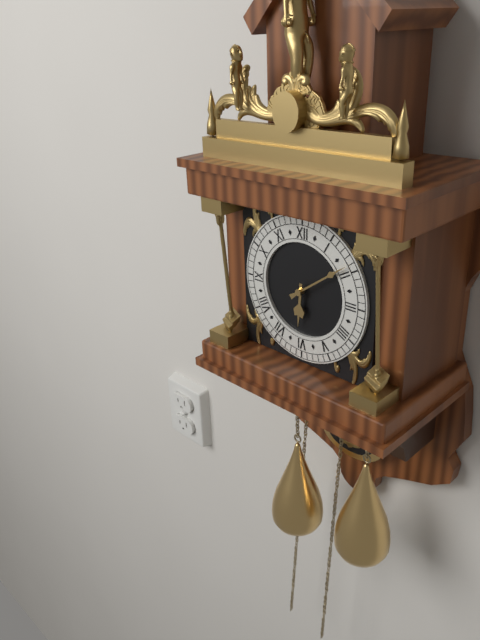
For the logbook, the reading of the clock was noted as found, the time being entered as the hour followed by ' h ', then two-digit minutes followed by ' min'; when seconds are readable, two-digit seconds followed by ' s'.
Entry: 6 h 09 min
